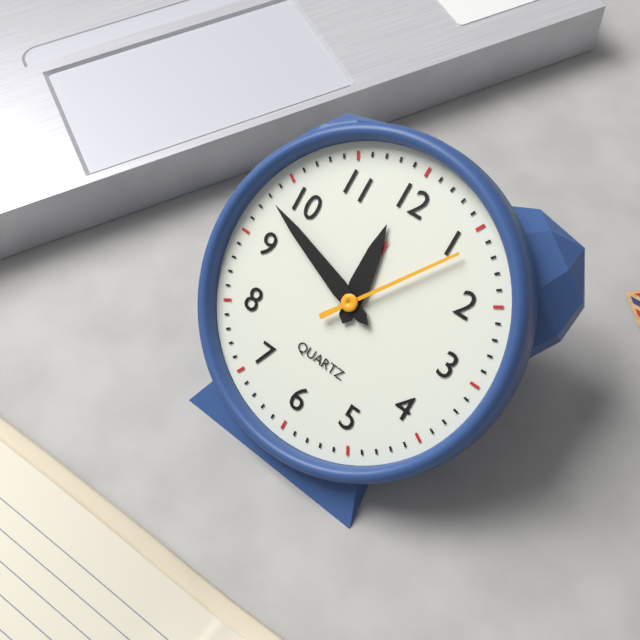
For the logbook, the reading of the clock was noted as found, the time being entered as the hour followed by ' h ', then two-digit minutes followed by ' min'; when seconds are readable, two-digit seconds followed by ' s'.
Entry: 11 h 48 min 06 s
